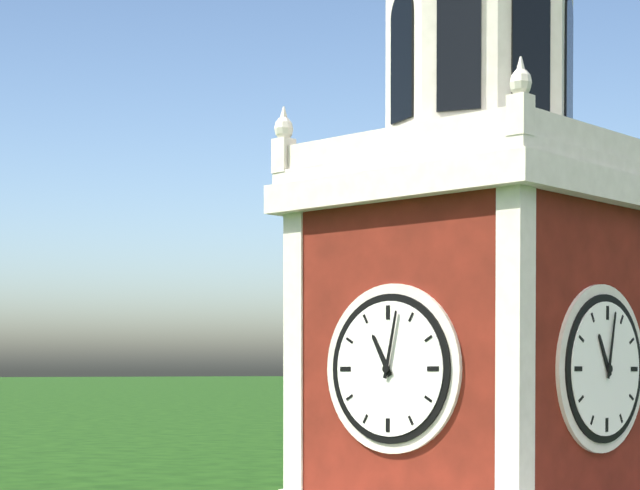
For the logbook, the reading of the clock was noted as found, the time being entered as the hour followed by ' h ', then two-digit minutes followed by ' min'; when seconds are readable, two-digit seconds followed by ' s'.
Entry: 11 h 02 min
